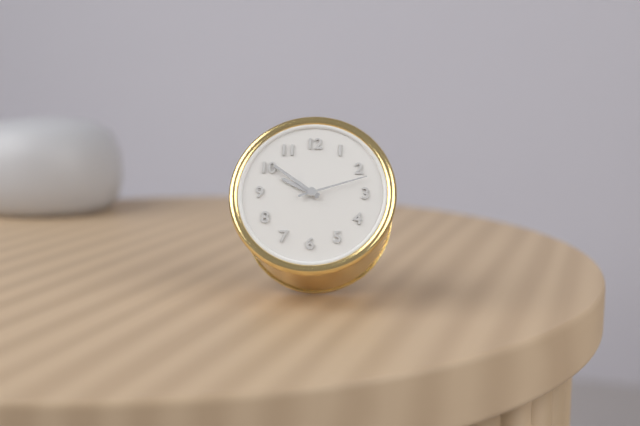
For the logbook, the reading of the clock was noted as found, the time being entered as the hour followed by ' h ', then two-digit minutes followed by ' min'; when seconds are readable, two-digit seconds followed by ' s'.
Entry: 9 h 51 min 12 s
